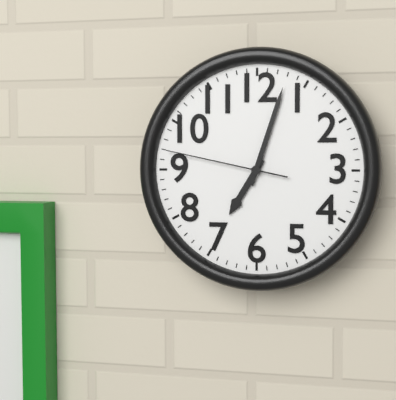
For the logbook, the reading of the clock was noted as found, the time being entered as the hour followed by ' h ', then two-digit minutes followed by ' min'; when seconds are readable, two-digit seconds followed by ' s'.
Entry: 7 h 03 min 47 s
